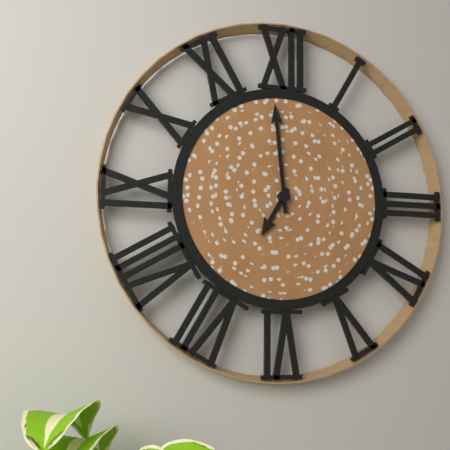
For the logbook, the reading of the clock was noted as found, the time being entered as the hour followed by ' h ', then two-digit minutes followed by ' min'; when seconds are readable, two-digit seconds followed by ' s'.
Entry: 6 h 59 min
